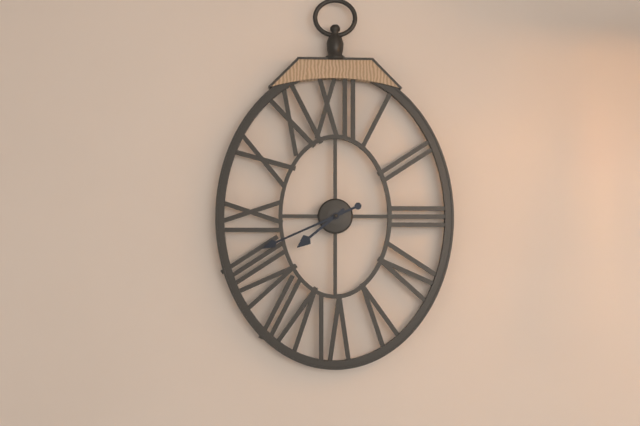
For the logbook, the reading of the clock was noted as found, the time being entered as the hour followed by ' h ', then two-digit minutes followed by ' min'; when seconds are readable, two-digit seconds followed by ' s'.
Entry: 7 h 41 min
